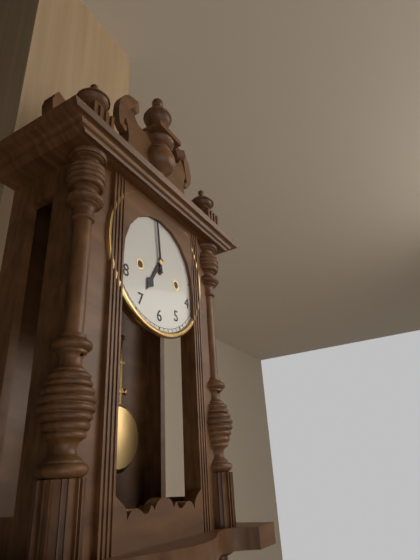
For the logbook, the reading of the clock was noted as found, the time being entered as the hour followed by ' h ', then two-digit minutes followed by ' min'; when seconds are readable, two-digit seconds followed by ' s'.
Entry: 6 h 59 min
